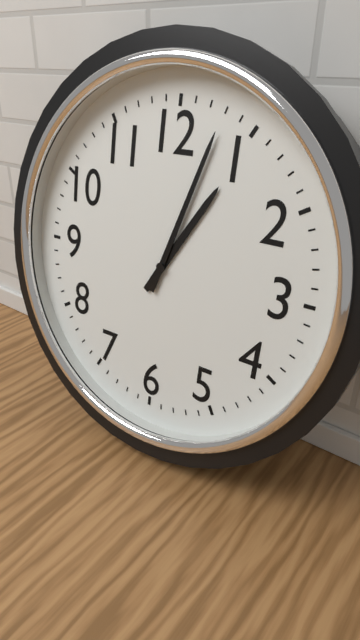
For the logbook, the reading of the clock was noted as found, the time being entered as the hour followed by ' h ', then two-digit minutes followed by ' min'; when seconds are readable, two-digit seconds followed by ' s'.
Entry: 1 h 03 min
